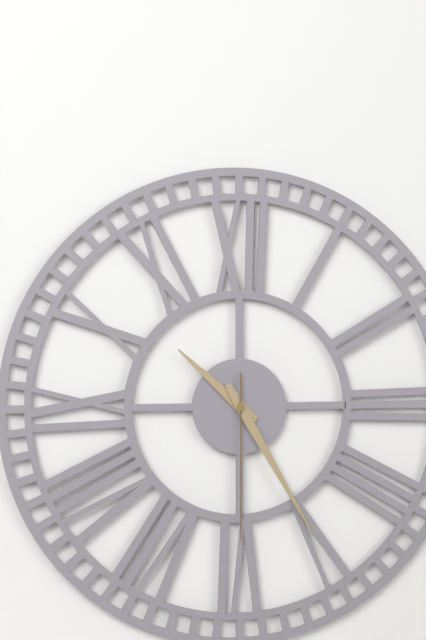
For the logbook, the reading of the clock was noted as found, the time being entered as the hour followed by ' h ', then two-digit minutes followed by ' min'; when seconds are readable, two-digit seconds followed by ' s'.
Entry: 10 h 25 min 30 s
